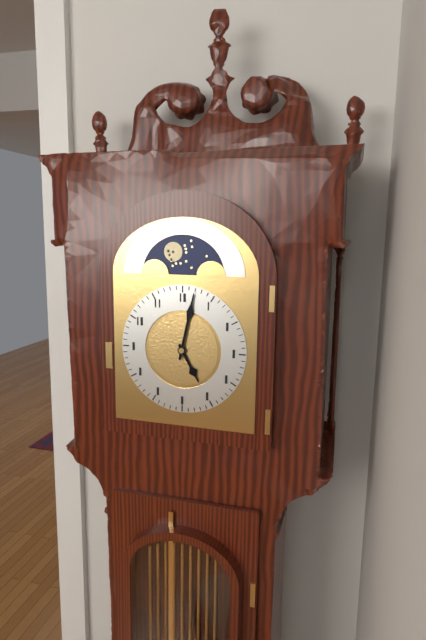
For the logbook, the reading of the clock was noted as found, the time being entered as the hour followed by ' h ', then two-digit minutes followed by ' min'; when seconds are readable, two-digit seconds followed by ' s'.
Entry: 5 h 02 min
